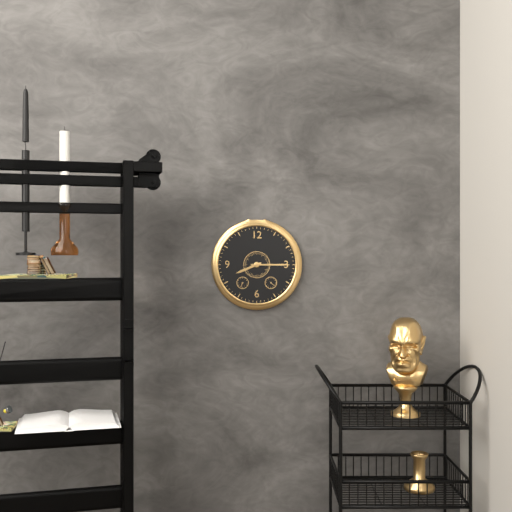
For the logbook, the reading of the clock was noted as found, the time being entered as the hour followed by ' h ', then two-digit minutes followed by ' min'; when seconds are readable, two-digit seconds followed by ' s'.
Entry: 8 h 15 min
